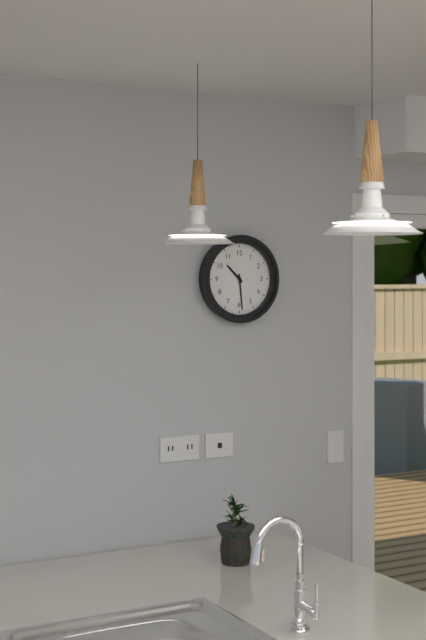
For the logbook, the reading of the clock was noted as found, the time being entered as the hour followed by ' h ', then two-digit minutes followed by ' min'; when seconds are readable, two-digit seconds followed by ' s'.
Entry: 10 h 29 min
